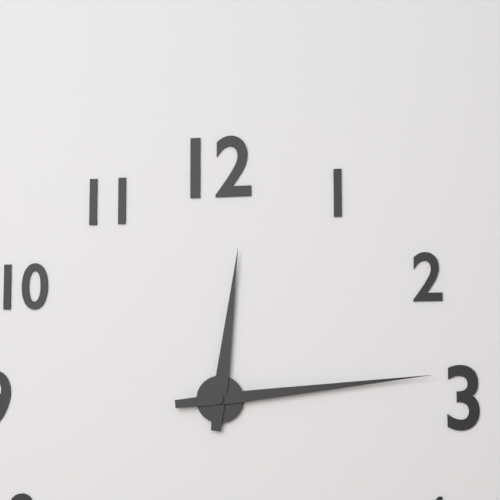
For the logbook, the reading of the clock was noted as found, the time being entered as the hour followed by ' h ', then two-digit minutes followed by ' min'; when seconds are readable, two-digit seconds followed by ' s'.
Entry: 12 h 14 min
